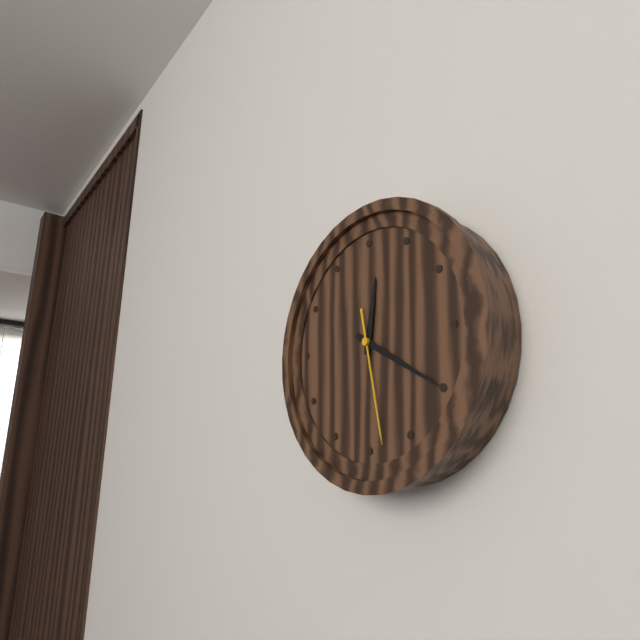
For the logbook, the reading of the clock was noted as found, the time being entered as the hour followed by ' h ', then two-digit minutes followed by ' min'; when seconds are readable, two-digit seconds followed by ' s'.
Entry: 12 h 20 min 28 s
